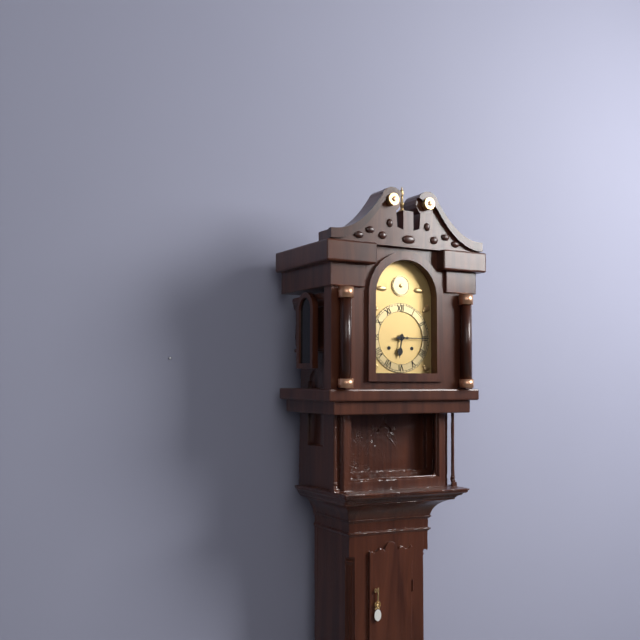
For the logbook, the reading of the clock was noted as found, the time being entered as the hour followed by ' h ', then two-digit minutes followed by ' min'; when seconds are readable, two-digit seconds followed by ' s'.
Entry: 6 h 15 min
